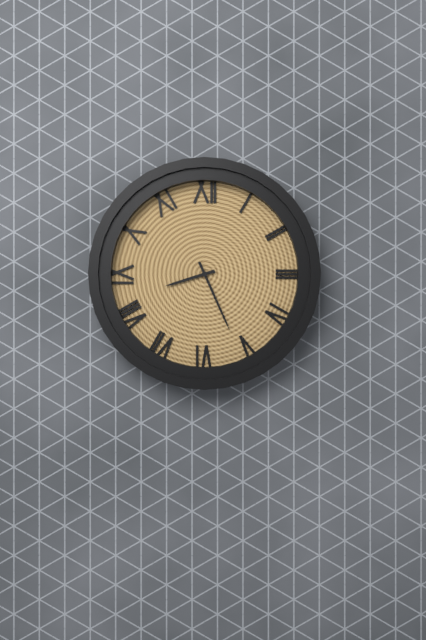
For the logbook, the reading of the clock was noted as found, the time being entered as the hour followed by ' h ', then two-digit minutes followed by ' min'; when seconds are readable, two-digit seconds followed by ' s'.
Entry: 8 h 26 min
